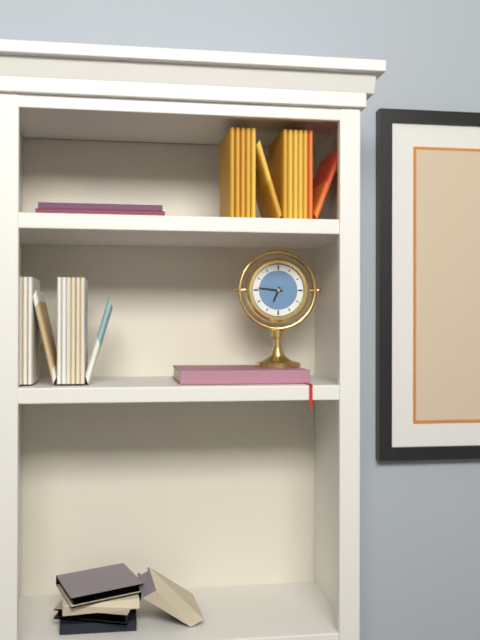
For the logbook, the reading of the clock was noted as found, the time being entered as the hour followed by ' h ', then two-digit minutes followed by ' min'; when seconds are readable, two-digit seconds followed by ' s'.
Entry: 6 h 46 min
